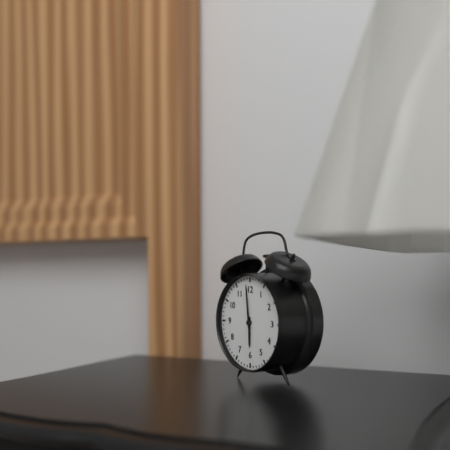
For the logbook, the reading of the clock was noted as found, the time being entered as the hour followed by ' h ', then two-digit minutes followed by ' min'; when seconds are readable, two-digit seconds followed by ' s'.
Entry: 5 h 59 min
